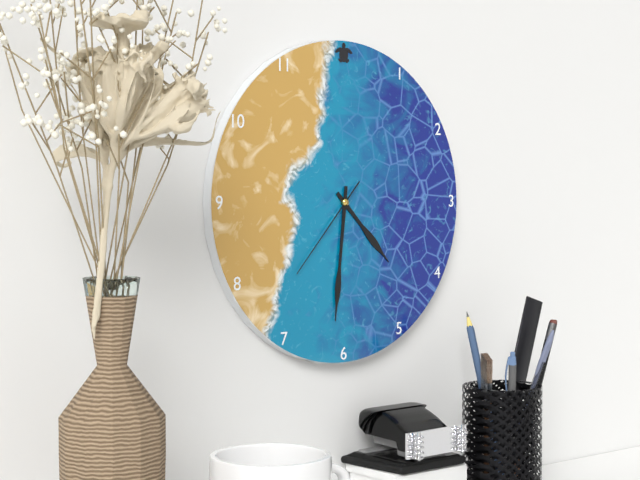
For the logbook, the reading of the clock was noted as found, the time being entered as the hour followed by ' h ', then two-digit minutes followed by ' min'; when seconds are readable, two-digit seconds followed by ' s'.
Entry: 4 h 31 min 37 s
